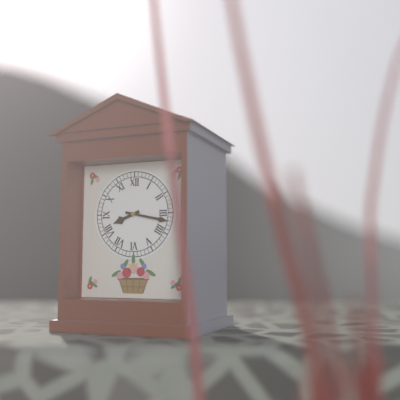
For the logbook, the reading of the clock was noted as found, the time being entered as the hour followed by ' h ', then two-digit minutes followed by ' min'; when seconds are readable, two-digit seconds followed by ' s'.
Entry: 8 h 17 min
